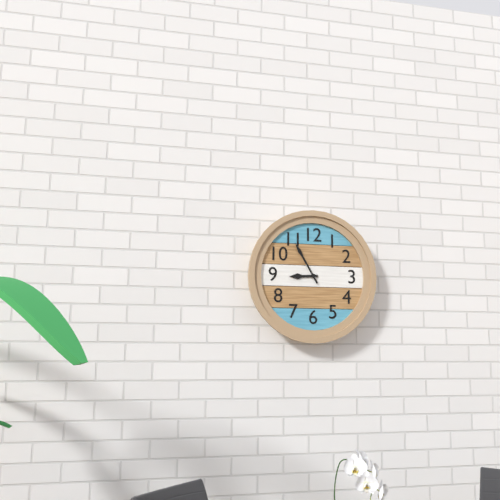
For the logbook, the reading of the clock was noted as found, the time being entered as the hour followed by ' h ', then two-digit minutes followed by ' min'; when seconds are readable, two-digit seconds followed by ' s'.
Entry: 8 h 55 min
